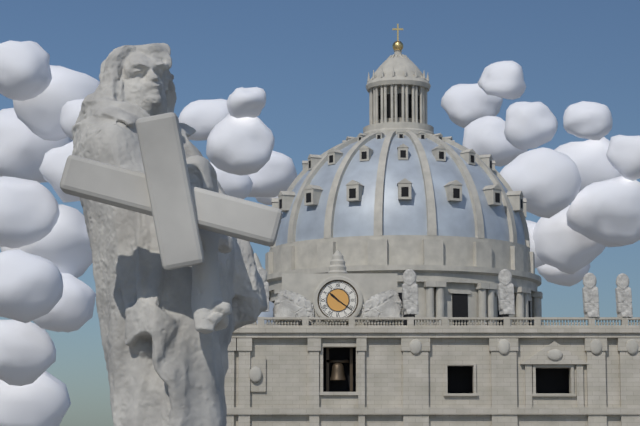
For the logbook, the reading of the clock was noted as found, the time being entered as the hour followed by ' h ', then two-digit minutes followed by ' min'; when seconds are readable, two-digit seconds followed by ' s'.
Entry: 10 h 21 min
